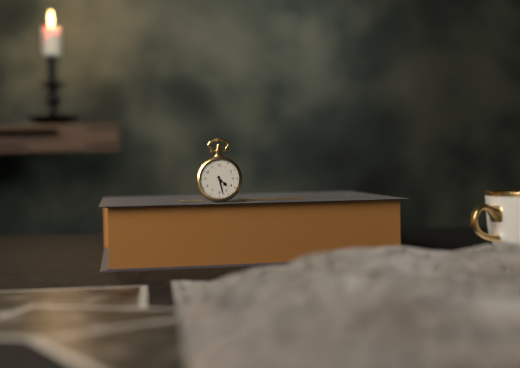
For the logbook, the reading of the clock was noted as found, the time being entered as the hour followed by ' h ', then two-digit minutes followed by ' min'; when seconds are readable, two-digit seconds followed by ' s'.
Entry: 4 h 28 min
